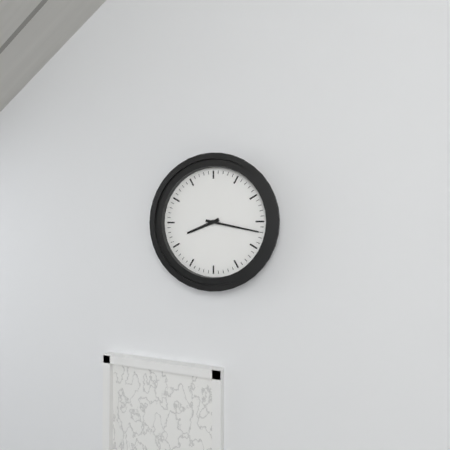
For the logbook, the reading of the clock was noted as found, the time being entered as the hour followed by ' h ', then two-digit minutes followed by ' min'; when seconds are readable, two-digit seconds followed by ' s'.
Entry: 8 h 17 min
